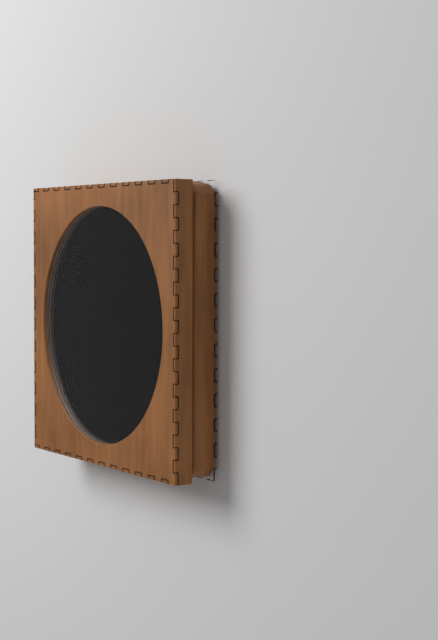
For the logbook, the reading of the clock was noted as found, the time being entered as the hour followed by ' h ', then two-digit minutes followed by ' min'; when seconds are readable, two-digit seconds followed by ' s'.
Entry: 6 h 31 min
